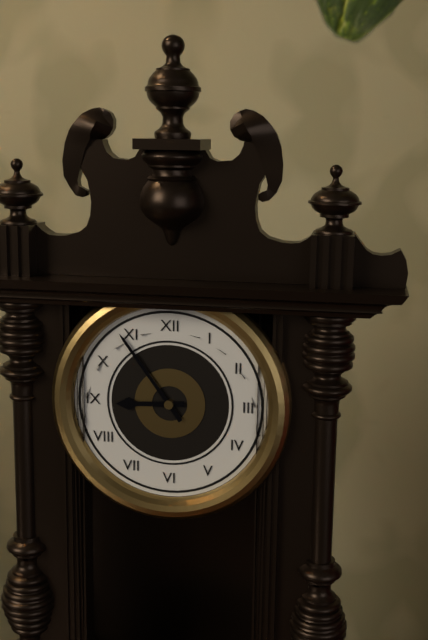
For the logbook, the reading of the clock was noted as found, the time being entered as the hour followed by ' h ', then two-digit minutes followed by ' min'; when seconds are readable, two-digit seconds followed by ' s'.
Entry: 8 h 54 min
